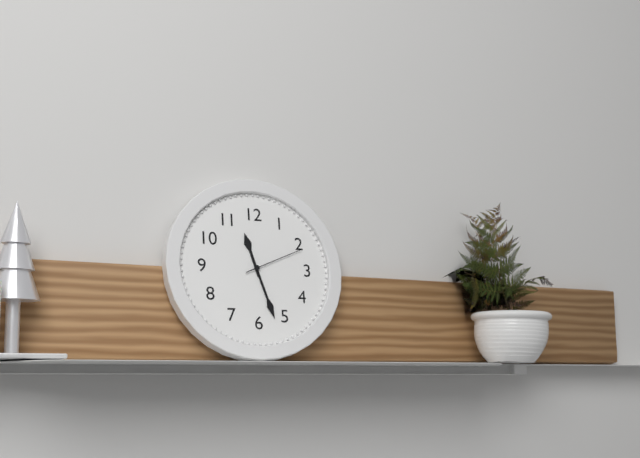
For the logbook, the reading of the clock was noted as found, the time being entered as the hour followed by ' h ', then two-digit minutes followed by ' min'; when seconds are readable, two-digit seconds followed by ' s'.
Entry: 11 h 27 min 11 s
